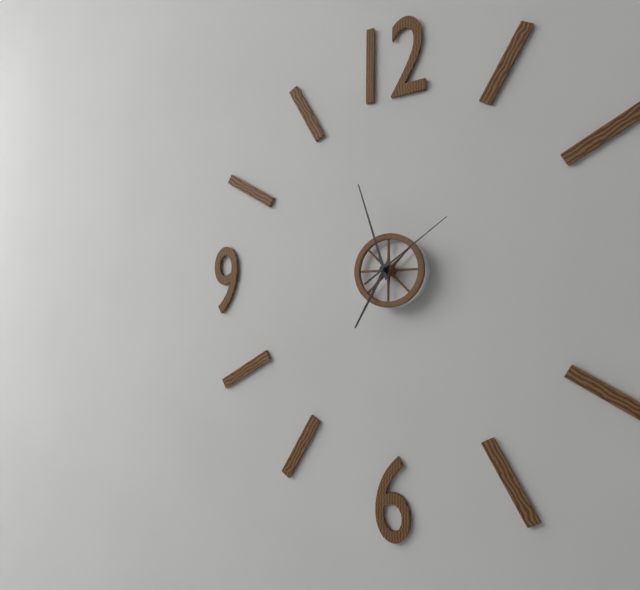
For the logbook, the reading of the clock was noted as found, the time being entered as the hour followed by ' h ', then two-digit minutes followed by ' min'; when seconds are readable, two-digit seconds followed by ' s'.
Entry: 6 h 57 min 09 s
